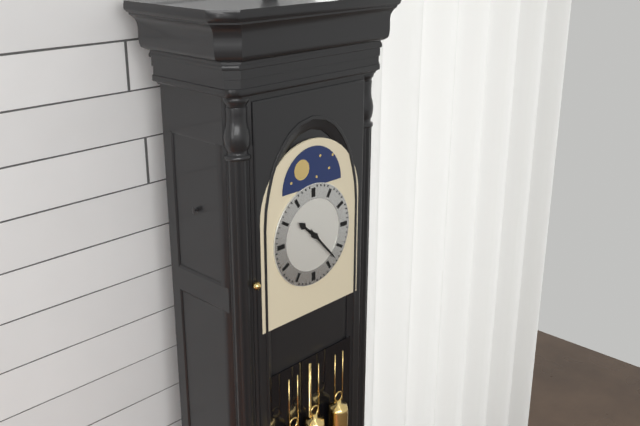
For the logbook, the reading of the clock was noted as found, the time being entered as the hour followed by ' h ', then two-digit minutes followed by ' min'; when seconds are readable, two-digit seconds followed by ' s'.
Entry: 10 h 23 min
